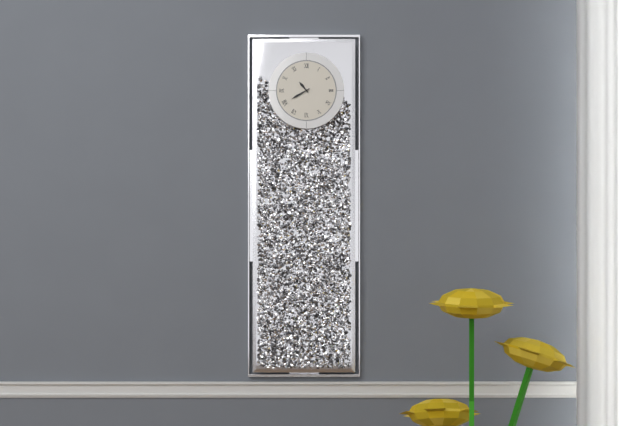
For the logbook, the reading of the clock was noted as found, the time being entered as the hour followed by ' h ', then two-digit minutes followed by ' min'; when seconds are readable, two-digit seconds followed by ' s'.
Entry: 10 h 40 min
